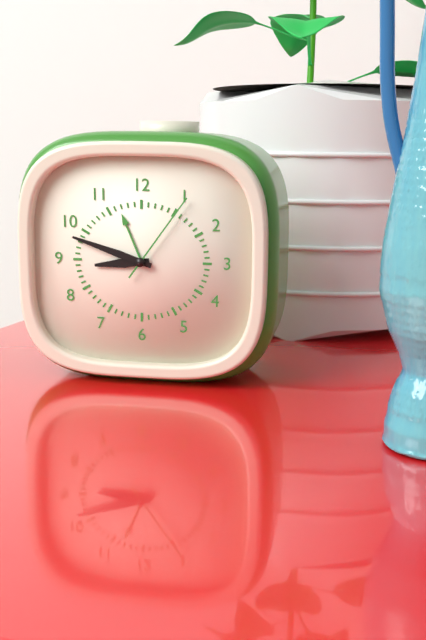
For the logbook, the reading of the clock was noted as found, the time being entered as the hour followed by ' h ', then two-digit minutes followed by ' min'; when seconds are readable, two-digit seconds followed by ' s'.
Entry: 8 h 48 min 06 s
